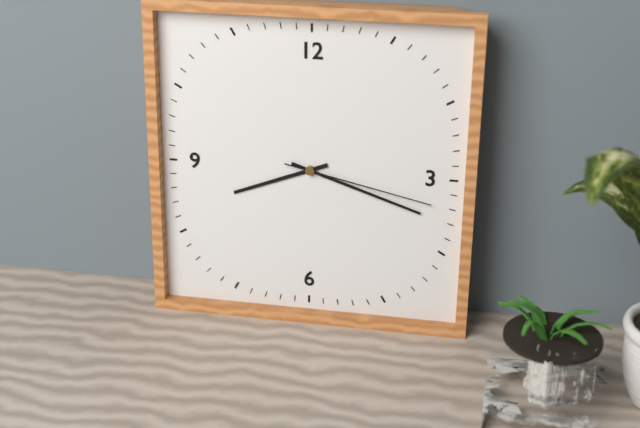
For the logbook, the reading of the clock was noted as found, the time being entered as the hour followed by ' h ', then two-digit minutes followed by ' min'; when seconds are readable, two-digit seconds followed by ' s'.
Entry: 8 h 18 min 17 s
